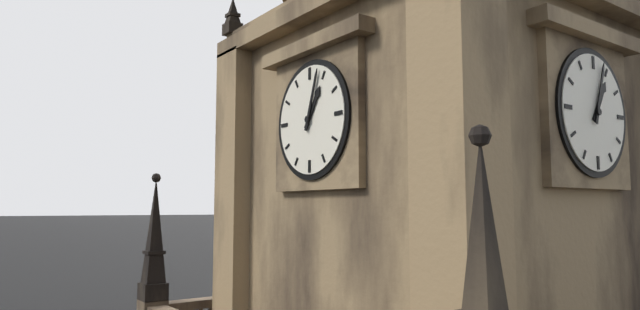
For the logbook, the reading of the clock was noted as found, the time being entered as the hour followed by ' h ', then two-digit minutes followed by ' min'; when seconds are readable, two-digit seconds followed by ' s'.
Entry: 1 h 03 min
